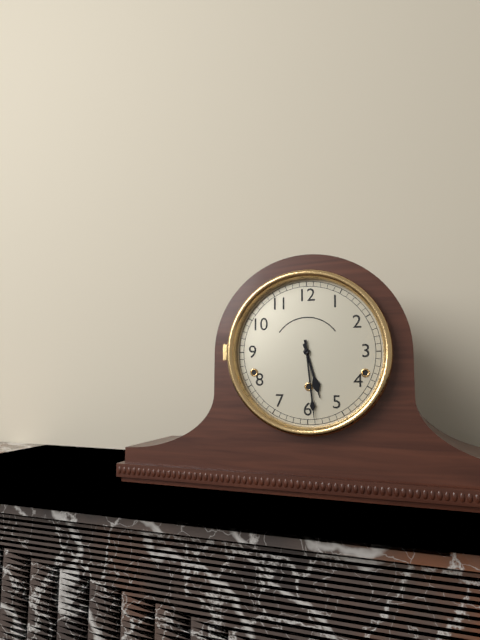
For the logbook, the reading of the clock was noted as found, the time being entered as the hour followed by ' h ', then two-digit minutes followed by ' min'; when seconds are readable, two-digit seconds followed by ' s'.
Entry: 5 h 29 min
